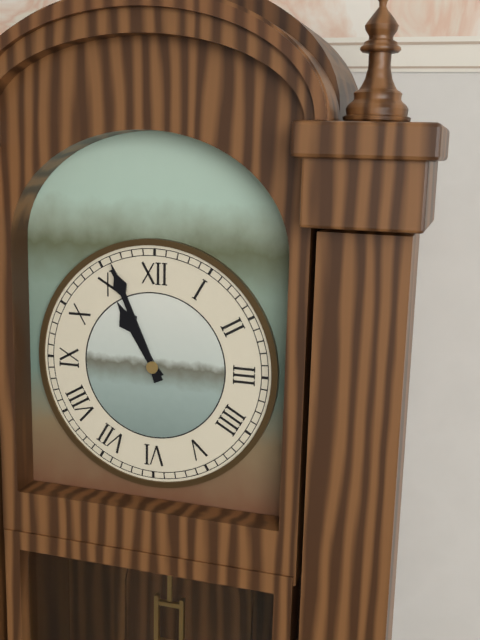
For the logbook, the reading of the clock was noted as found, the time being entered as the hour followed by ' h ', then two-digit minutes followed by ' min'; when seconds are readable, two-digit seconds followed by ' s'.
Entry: 10 h 56 min
